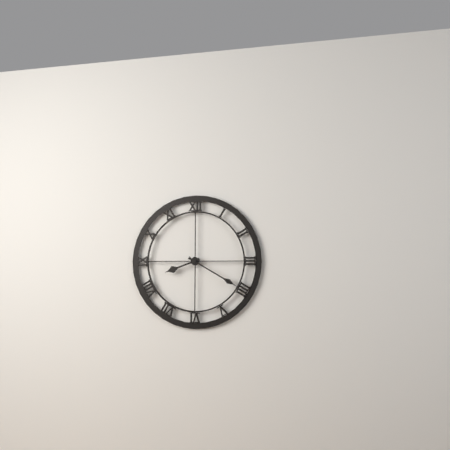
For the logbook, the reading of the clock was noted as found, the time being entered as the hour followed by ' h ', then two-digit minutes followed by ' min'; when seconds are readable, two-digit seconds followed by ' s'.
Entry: 8 h 20 min
